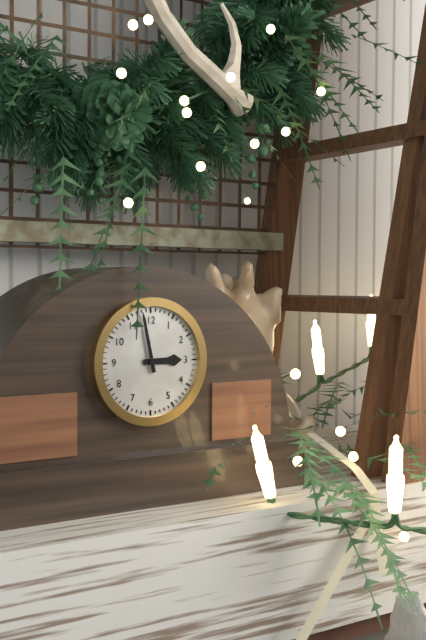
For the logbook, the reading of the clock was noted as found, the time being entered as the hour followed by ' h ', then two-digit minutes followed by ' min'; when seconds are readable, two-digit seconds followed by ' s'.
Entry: 2 h 58 min
